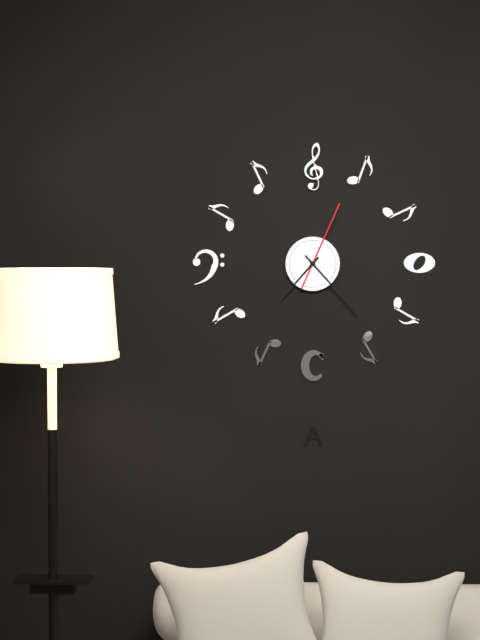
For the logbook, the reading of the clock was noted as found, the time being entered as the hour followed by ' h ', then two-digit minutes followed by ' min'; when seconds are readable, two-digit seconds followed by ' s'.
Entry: 7 h 23 min 04 s
